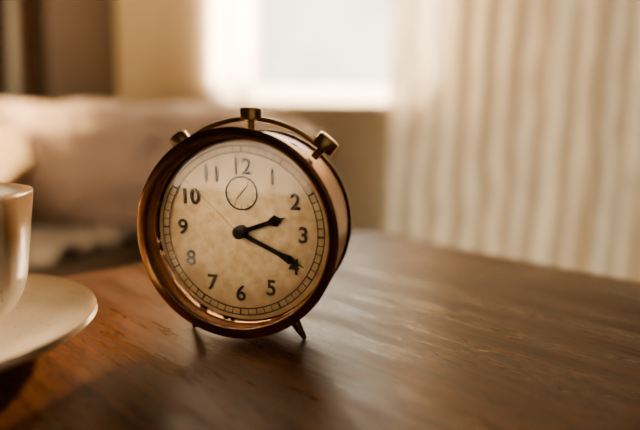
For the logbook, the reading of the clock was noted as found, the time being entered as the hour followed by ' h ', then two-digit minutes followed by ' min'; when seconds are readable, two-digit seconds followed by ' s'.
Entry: 2 h 19 min 52 s
